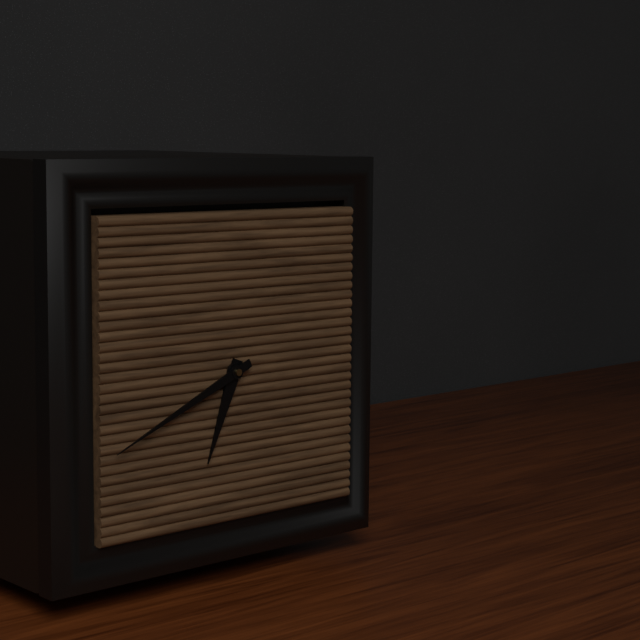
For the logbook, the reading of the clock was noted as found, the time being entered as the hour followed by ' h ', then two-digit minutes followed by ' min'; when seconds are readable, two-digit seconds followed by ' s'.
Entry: 6 h 41 min
